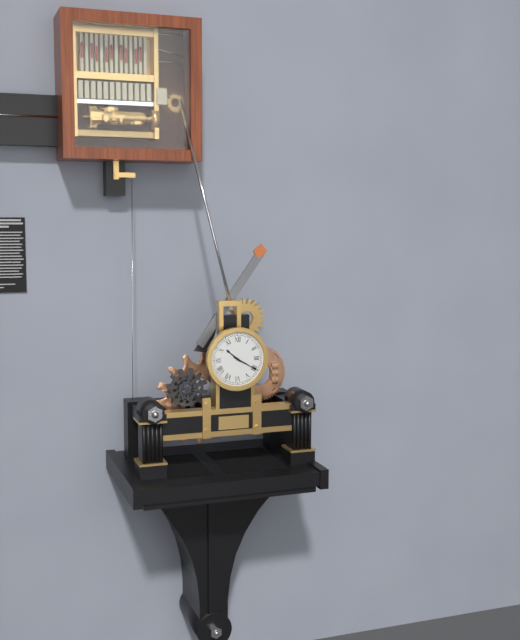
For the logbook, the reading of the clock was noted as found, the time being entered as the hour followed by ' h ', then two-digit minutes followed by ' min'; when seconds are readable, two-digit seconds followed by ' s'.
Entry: 10 h 20 min
